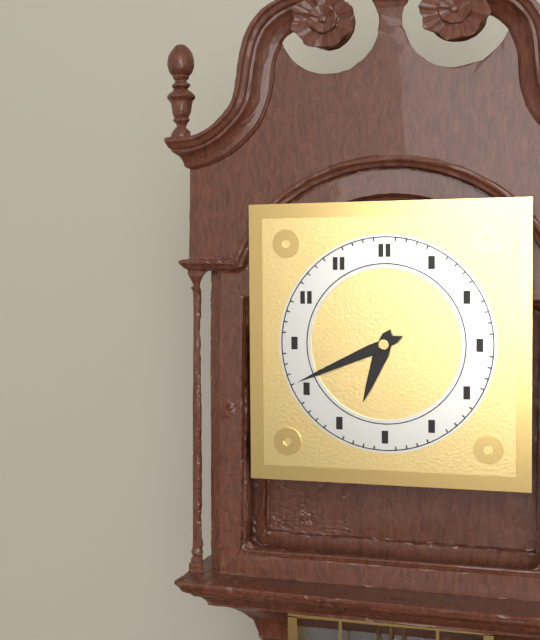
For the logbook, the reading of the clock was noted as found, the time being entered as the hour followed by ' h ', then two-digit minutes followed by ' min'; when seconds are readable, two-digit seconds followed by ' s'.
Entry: 6 h 41 min
